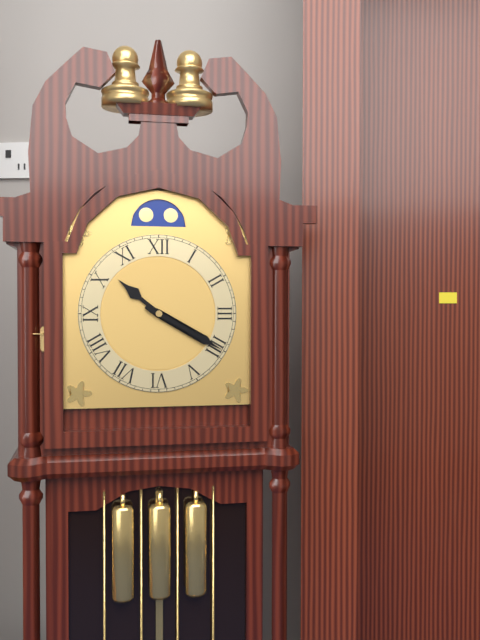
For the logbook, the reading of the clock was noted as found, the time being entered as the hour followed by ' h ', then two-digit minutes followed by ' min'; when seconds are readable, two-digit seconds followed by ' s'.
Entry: 10 h 20 min
